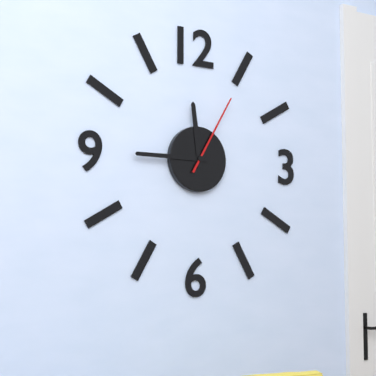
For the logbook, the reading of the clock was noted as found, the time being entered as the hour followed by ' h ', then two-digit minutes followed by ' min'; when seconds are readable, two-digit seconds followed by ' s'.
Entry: 11 h 45 min 05 s
